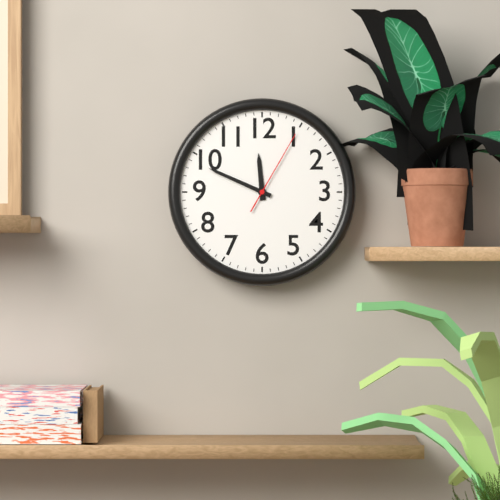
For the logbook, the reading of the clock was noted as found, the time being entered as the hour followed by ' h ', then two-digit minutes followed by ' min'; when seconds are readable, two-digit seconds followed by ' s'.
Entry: 11 h 49 min 05 s
